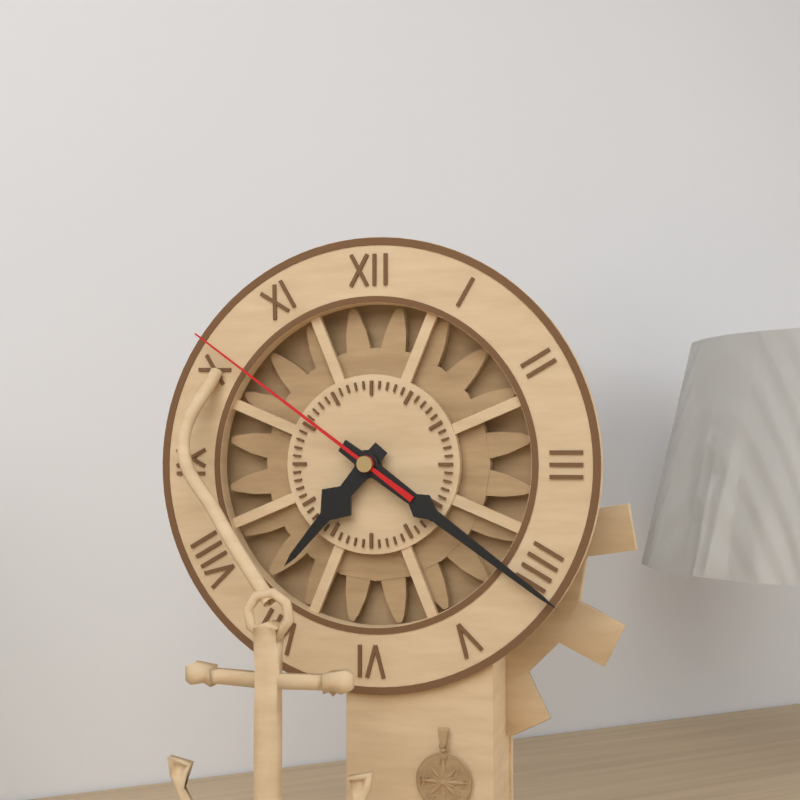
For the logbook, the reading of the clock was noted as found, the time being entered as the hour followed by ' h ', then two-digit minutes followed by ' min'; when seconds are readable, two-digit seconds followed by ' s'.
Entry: 7 h 21 min 51 s
